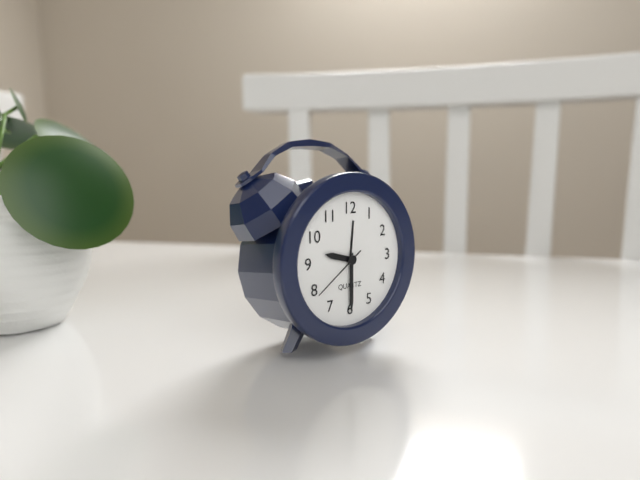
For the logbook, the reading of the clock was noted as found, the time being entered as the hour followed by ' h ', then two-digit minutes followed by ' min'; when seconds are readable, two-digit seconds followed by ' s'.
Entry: 9 h 30 min 39 s
